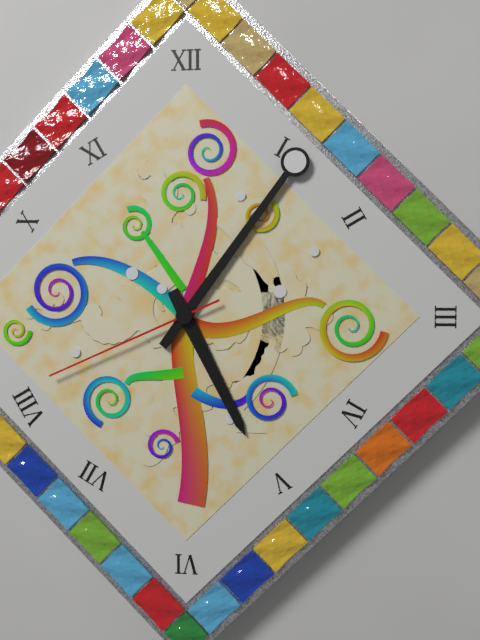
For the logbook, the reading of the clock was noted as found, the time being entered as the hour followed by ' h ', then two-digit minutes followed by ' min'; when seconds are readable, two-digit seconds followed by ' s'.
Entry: 5 h 06 min 41 s
